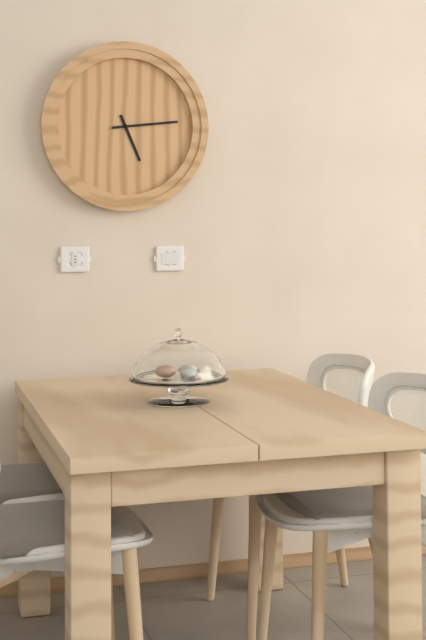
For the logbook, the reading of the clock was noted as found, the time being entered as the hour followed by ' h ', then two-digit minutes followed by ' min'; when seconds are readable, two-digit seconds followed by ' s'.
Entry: 5 h 14 min
